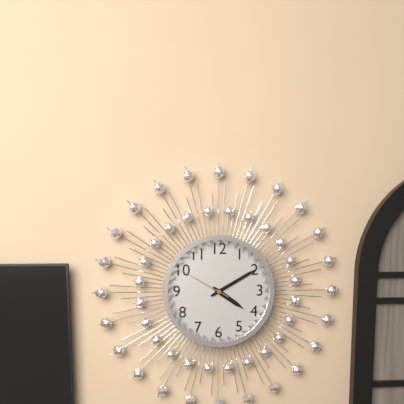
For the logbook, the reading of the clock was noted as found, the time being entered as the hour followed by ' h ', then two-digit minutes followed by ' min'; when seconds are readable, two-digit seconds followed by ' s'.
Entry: 4 h 10 min 50 s
